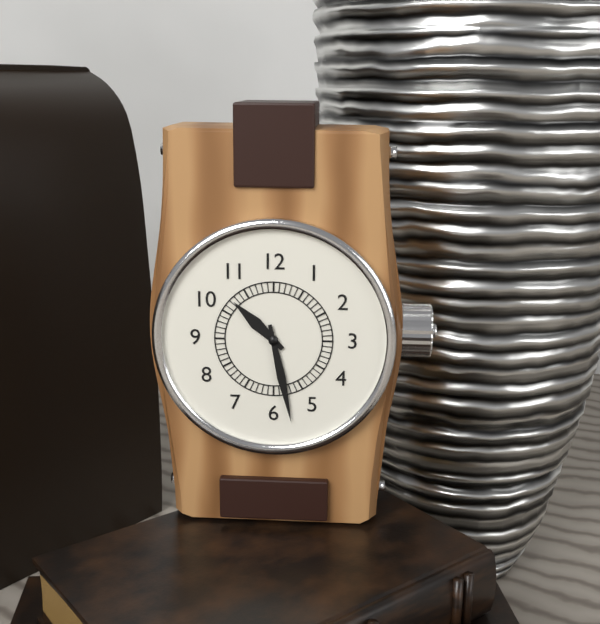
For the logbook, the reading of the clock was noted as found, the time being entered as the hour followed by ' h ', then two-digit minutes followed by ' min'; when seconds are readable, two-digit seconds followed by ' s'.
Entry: 10 h 28 min
